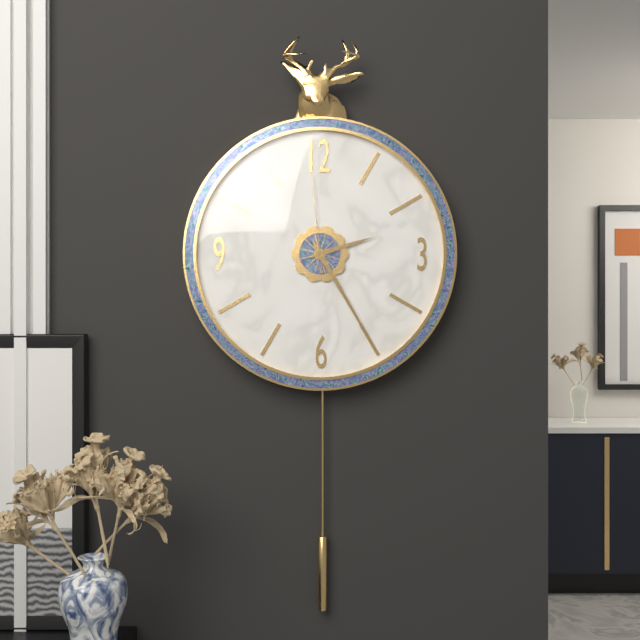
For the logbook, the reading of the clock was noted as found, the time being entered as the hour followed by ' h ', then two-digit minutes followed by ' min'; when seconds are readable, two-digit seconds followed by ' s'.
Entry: 2 h 25 min 59 s
